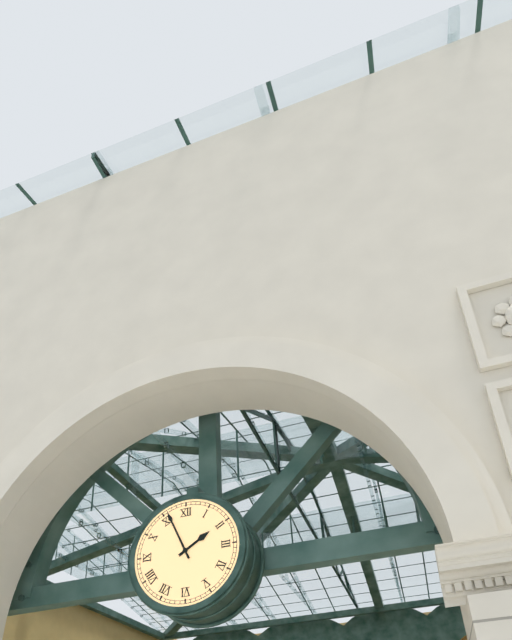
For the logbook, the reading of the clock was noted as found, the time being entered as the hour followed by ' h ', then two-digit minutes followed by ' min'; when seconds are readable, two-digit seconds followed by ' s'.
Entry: 1 h 56 min
